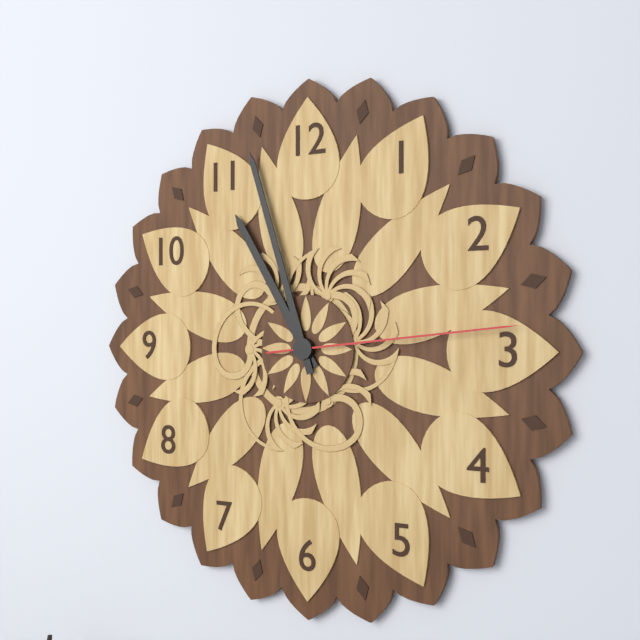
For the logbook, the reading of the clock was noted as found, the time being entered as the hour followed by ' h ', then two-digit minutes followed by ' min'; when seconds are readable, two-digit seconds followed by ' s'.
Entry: 10 h 57 min 14 s
